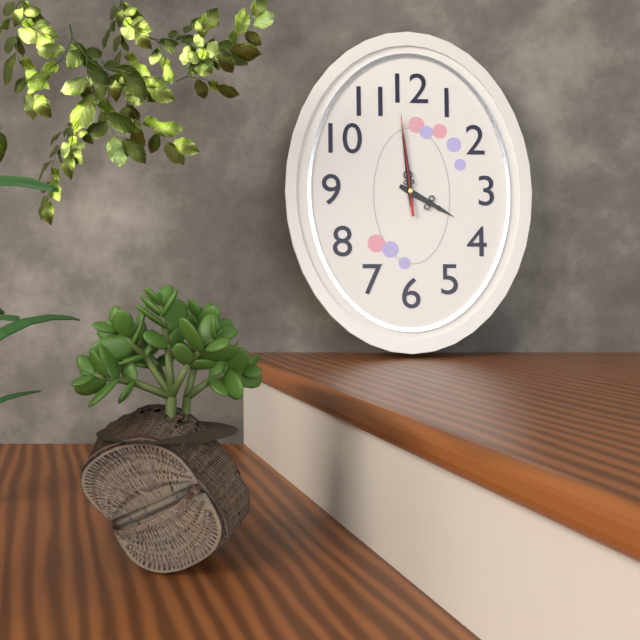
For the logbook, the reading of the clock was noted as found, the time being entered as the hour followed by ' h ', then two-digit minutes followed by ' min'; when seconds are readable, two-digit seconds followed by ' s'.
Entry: 3 h 59 min 59 s
